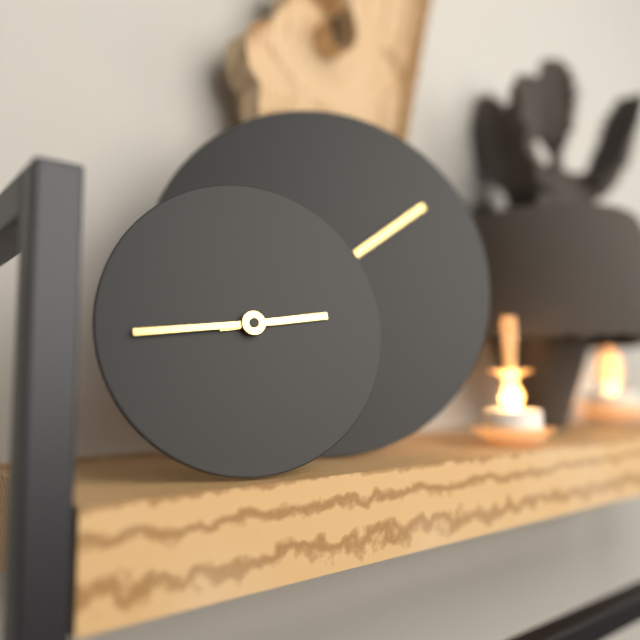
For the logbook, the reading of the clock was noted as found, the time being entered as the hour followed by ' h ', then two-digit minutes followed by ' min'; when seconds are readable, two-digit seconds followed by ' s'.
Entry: 2 h 44 min
